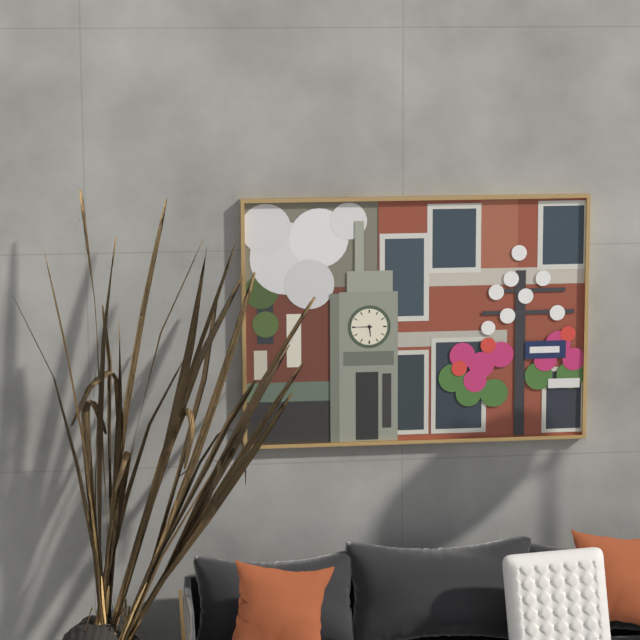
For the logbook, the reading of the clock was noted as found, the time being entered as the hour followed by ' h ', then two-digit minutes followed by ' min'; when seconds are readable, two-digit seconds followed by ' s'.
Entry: 5 h 45 min
